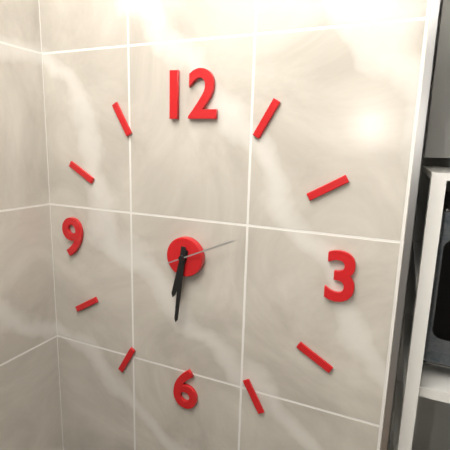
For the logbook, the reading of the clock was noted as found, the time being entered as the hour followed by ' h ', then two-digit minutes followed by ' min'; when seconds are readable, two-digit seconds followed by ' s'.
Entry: 6 h 31 min 11 s
